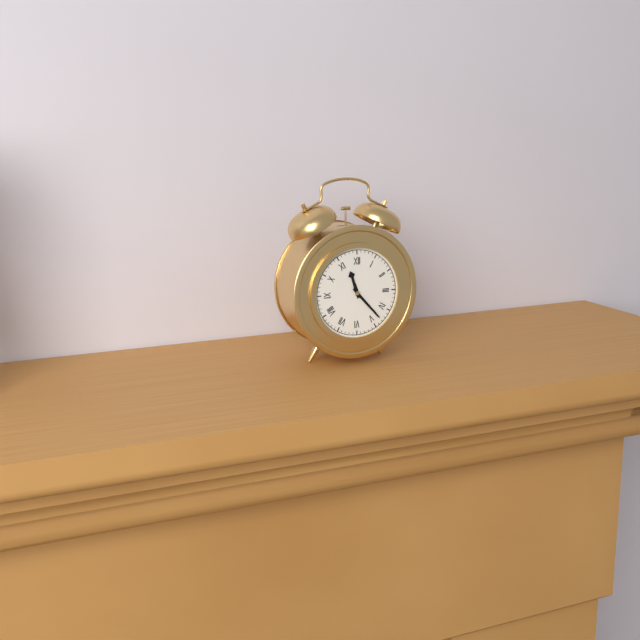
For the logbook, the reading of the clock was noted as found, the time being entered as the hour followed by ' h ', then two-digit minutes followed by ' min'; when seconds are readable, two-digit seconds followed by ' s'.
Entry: 11 h 23 min
